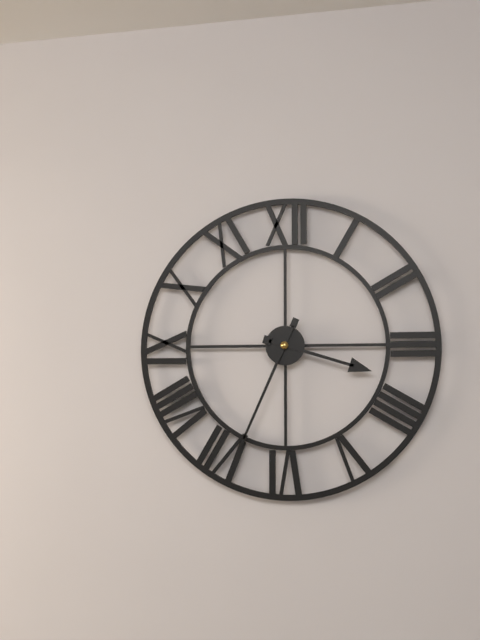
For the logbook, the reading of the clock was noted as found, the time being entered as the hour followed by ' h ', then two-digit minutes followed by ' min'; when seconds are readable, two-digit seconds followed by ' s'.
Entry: 3 h 34 min
